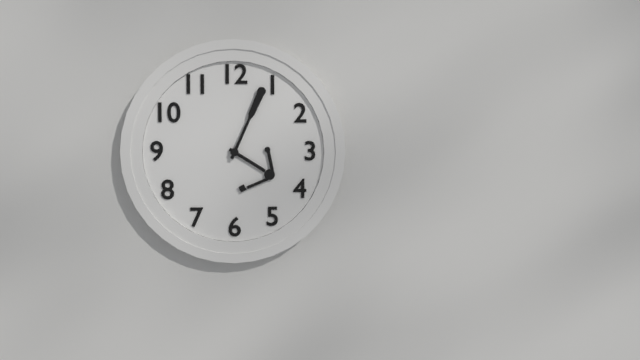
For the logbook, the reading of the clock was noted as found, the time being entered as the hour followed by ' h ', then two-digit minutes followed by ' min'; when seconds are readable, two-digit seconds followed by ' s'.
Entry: 4 h 04 min
